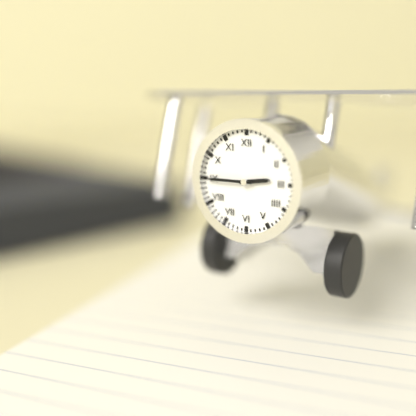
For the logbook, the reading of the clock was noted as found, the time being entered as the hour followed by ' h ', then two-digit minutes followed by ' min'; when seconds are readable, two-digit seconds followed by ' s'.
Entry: 2 h 45 min
